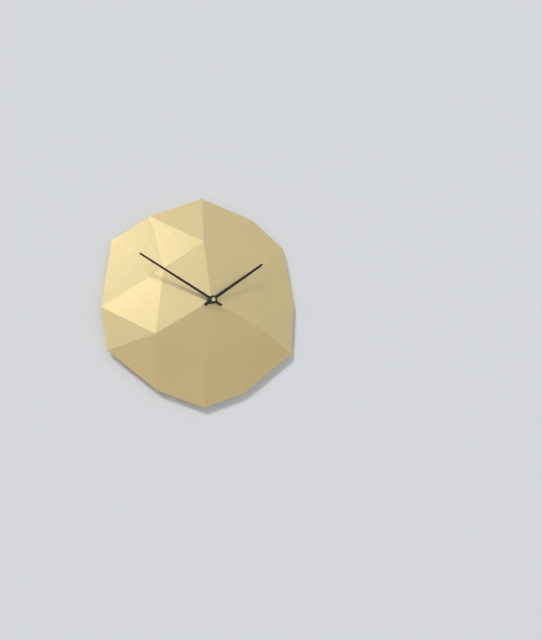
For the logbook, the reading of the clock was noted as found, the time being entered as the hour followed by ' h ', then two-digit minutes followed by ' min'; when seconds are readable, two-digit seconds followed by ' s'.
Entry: 1 h 50 min
